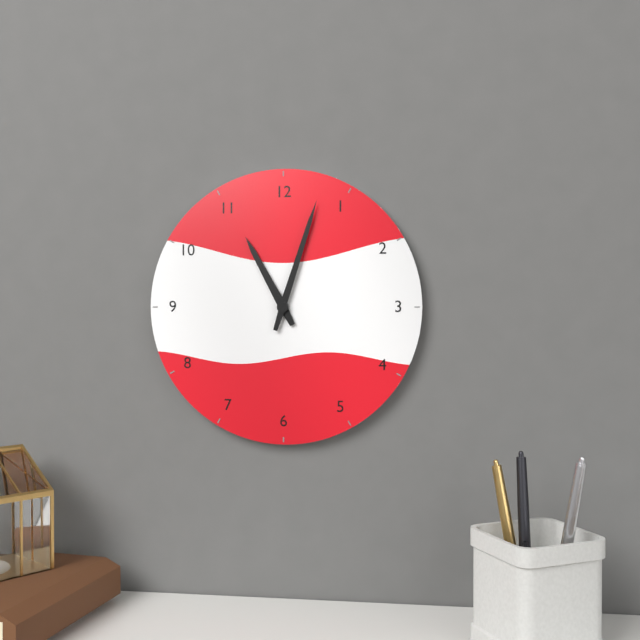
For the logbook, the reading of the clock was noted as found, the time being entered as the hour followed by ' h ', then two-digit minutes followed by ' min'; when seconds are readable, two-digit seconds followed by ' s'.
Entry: 11 h 03 min
